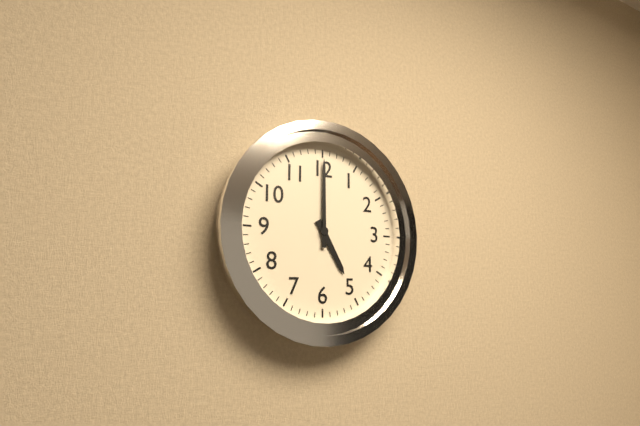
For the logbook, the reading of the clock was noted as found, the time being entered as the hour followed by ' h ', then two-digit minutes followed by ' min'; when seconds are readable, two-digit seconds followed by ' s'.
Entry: 5 h 00 min
